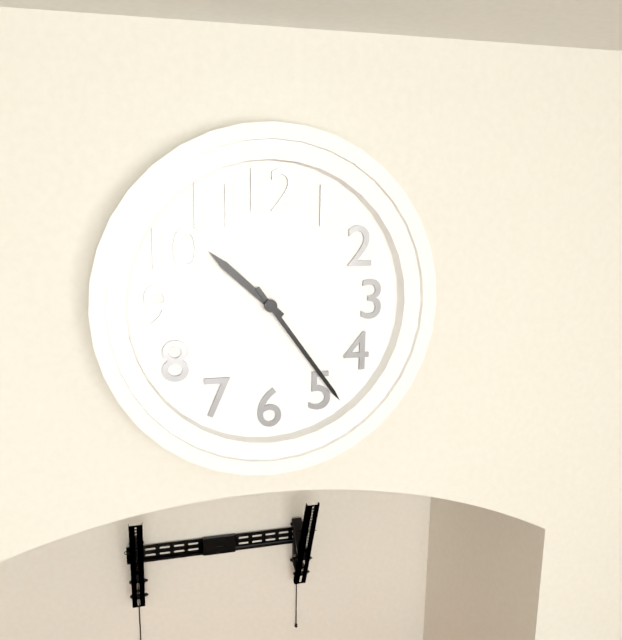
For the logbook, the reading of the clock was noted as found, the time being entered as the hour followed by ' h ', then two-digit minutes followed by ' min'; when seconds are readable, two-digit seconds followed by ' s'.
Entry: 10 h 24 min
